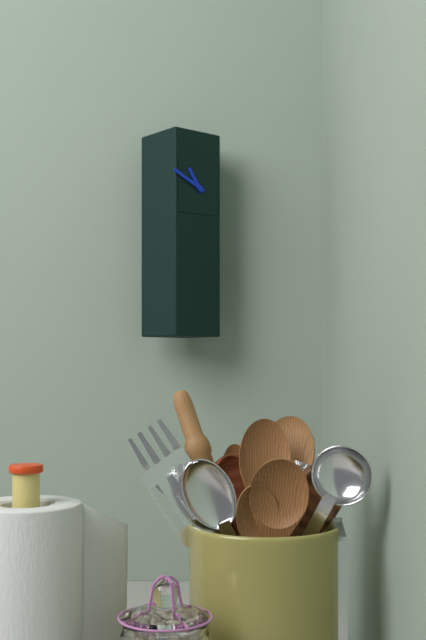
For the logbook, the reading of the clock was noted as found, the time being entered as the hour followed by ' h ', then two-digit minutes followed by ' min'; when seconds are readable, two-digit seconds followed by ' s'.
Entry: 10 h 49 min
